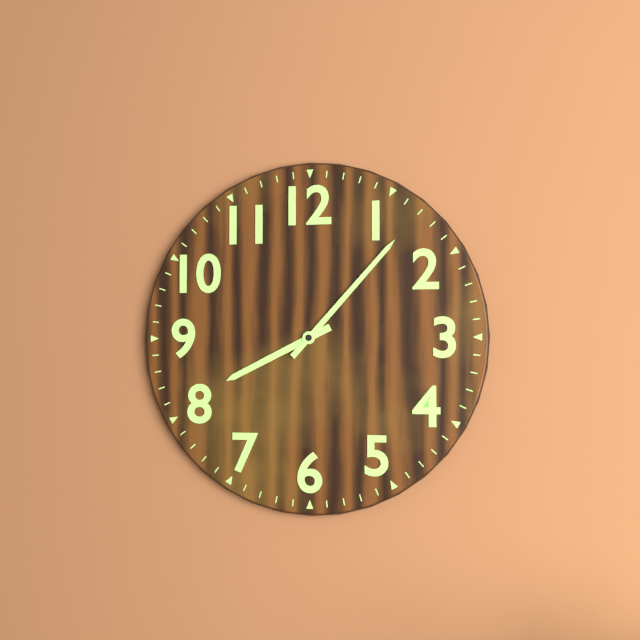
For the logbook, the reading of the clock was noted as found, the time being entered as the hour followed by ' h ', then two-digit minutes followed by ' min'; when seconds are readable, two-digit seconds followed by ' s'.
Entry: 8 h 07 min
